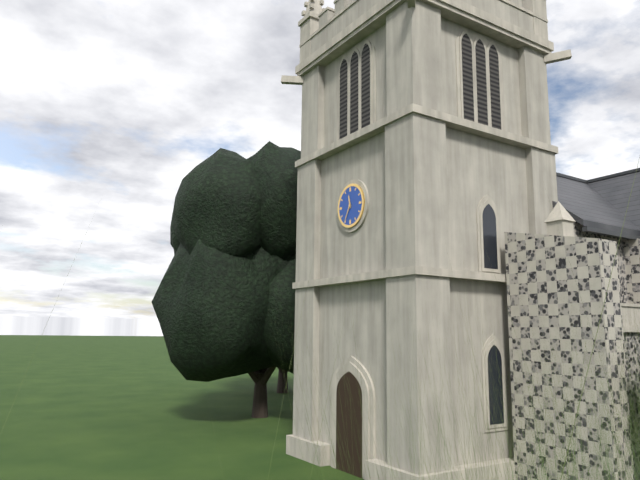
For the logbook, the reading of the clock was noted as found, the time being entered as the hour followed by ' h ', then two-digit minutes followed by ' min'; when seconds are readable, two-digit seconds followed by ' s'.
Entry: 11 h 35 min
